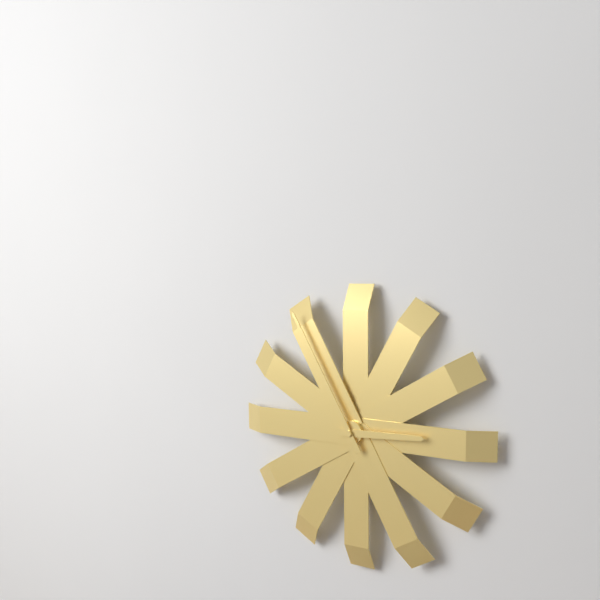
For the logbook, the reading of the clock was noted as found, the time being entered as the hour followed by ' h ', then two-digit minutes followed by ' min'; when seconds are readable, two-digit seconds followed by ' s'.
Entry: 2 h 55 min
